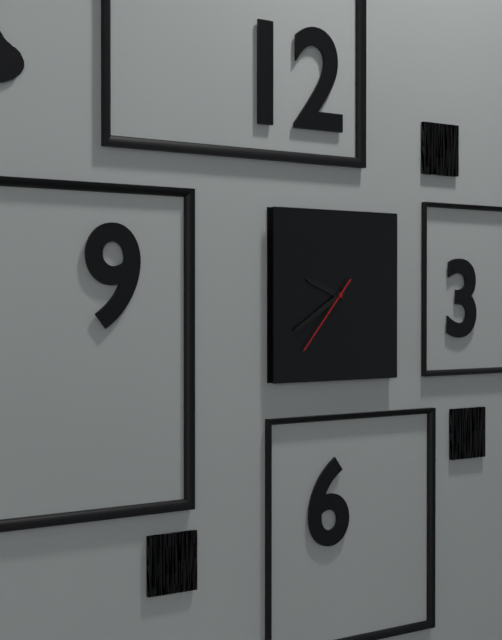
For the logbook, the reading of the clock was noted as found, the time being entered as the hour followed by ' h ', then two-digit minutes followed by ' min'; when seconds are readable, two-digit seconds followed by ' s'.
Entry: 9 h 40 min 37 s
